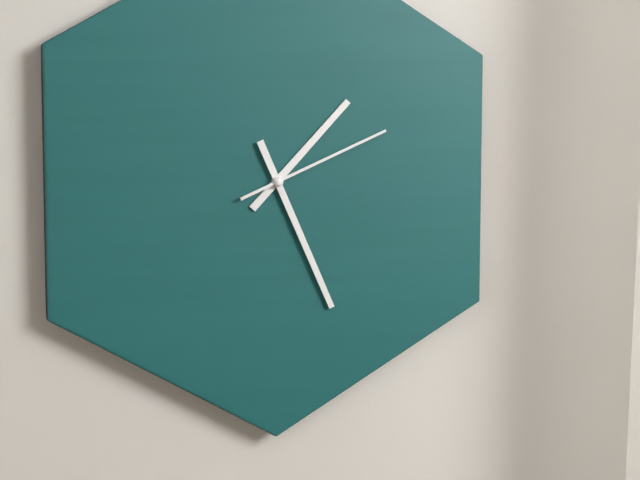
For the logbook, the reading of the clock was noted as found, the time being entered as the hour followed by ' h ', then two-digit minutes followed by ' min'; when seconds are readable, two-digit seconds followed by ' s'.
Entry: 1 h 26 min 11 s
